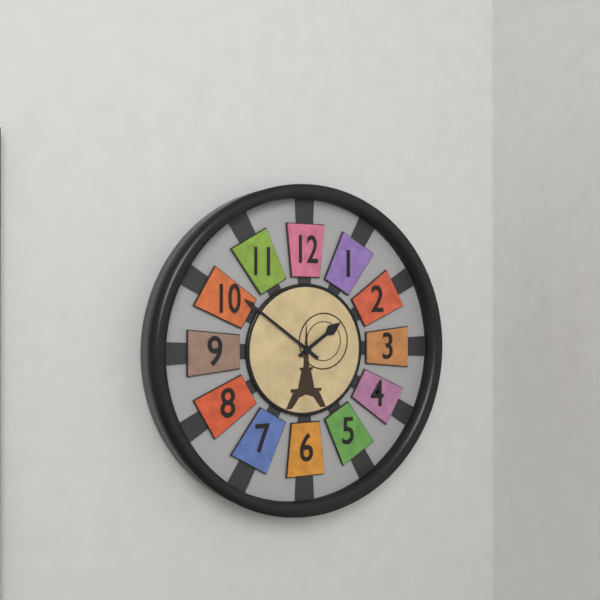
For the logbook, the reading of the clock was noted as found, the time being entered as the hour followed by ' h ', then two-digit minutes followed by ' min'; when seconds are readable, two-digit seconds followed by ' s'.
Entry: 1 h 51 min
